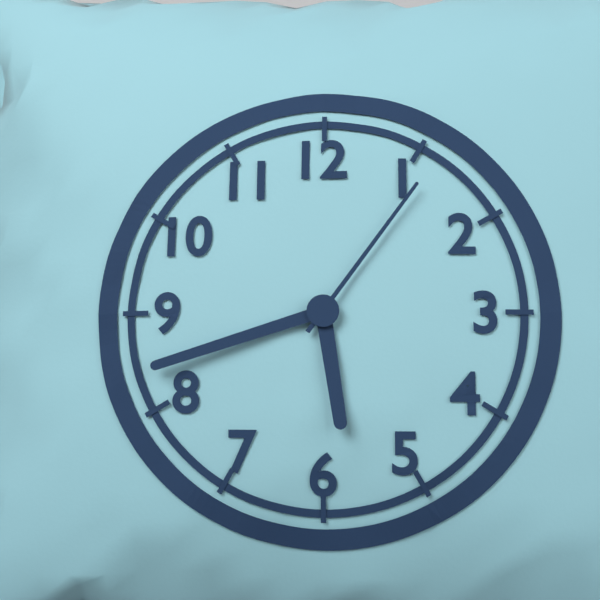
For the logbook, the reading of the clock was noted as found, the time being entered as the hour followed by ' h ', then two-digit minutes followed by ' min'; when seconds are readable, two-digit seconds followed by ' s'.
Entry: 5 h 42 min 06 s
